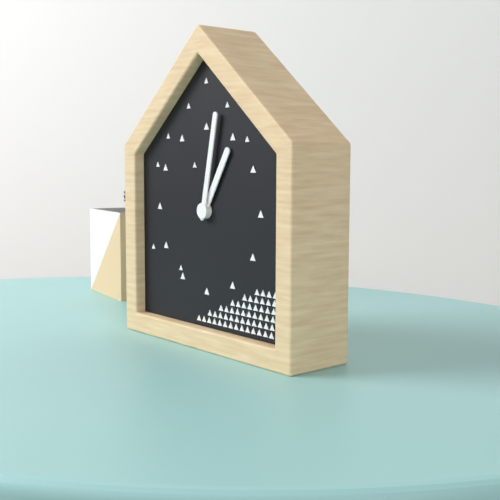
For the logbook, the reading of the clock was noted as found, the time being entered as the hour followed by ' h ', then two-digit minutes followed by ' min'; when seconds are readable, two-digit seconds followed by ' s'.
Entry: 1 h 02 min
